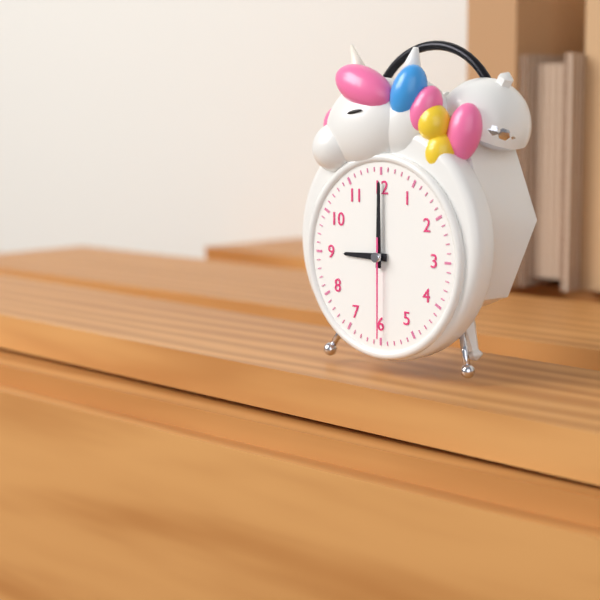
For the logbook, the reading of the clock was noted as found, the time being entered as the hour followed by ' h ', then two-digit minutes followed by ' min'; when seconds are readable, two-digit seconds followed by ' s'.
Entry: 9 h 00 min 30 s
